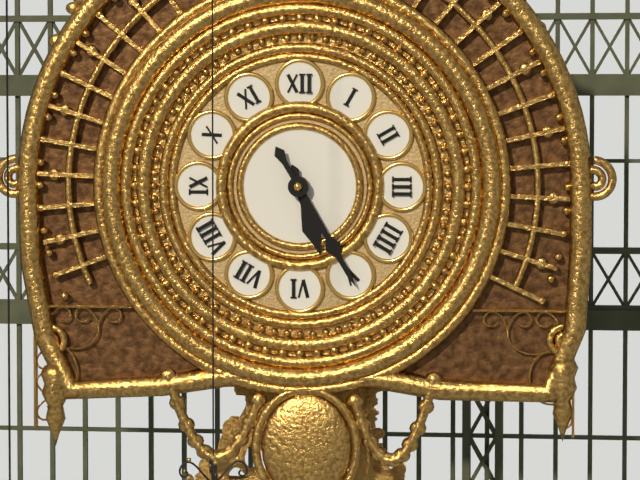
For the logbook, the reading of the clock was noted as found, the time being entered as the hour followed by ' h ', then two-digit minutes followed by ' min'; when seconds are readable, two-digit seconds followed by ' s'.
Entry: 5 h 25 min
